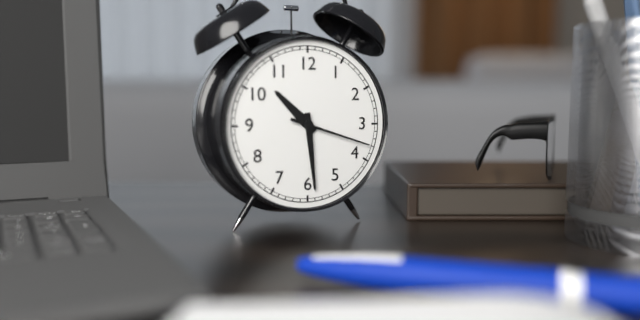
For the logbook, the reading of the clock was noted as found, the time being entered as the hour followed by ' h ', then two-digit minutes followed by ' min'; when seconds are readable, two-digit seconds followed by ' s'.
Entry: 10 h 29 min 18 s
